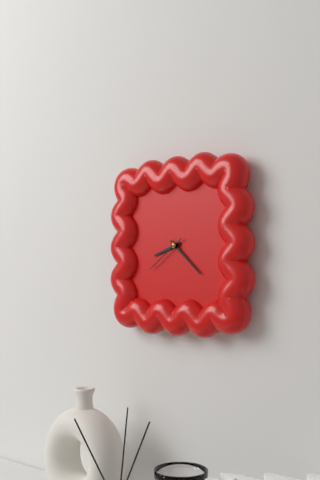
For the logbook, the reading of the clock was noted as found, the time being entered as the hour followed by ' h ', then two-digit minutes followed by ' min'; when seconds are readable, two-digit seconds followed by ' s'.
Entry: 8 h 22 min
